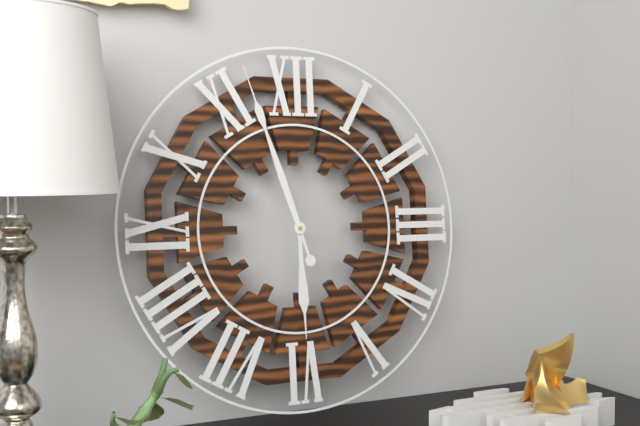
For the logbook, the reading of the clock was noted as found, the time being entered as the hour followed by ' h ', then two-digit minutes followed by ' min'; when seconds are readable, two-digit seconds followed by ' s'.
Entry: 5 h 57 min
